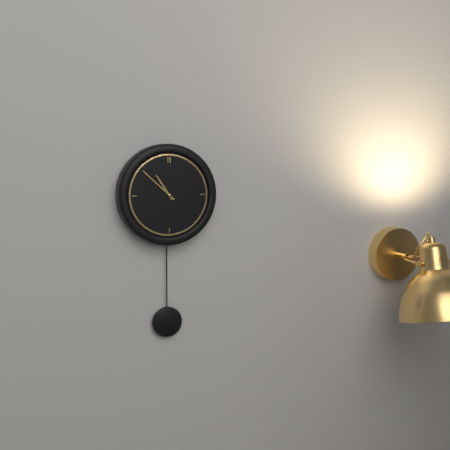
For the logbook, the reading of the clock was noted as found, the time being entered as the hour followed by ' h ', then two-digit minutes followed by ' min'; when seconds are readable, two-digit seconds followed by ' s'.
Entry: 10 h 52 min
